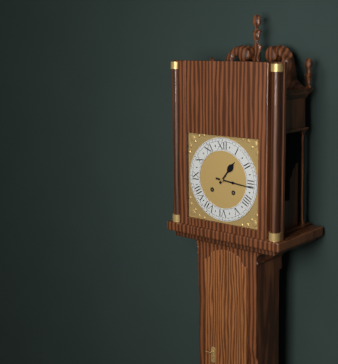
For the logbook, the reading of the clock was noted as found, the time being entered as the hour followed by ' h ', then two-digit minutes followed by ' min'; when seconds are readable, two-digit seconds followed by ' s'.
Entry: 1 h 16 min
